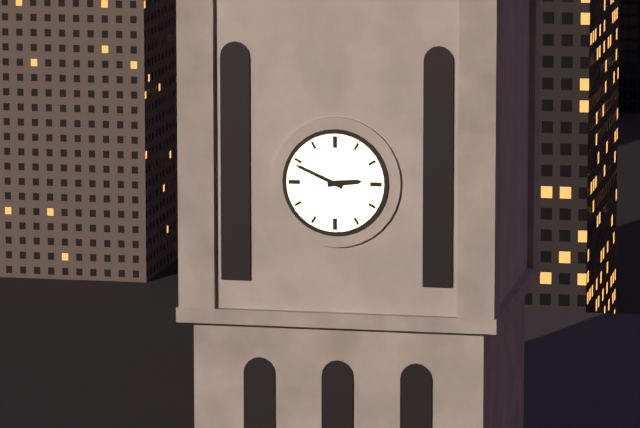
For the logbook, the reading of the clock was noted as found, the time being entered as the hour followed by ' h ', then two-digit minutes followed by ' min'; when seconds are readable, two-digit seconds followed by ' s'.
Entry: 2 h 49 min
